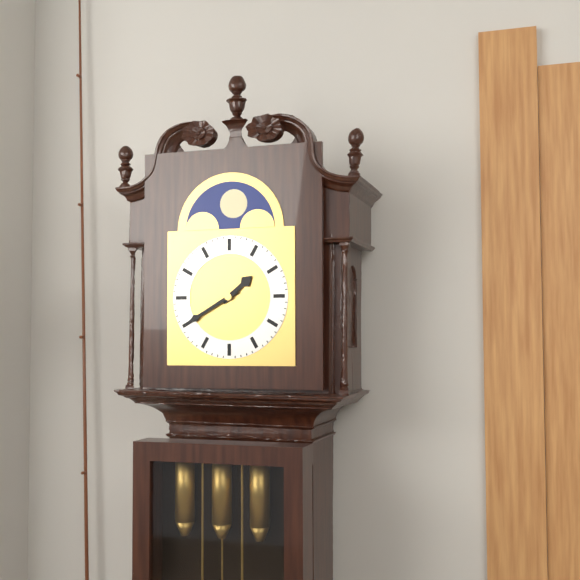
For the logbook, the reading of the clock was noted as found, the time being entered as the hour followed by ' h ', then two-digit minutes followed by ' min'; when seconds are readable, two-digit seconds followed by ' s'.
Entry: 1 h 40 min
